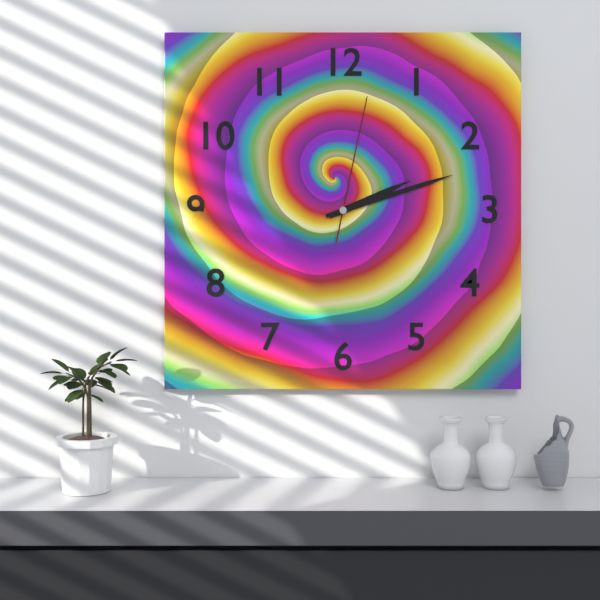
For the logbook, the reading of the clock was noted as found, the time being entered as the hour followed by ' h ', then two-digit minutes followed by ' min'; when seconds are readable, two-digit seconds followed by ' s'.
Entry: 2 h 12 min 02 s
